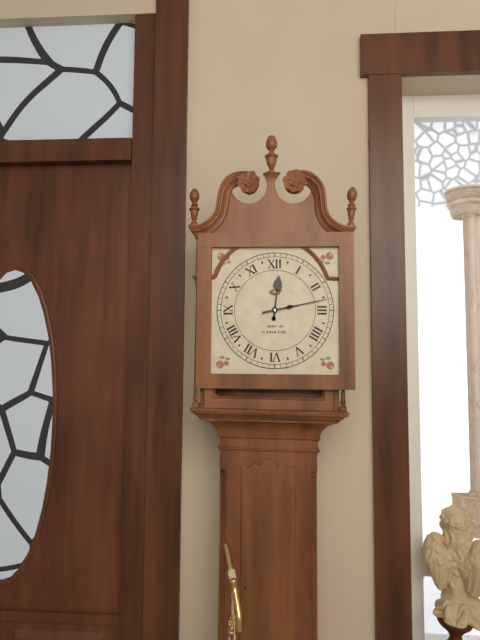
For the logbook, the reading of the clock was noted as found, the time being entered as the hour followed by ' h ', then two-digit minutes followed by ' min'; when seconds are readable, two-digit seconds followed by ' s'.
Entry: 12 h 13 min
